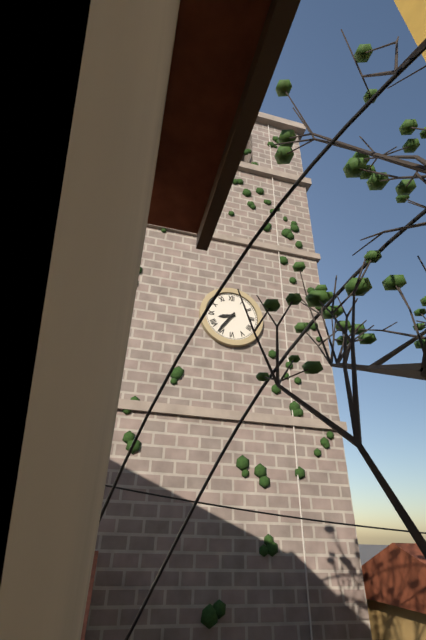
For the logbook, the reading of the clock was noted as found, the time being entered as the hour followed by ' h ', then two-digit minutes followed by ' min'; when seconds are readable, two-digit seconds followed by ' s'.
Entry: 8 h 36 min
